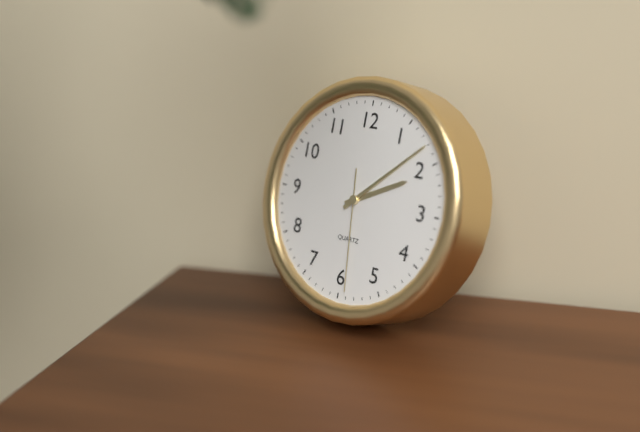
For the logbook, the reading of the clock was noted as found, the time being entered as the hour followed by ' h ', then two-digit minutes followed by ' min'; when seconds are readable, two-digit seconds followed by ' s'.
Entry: 2 h 08 min 29 s
